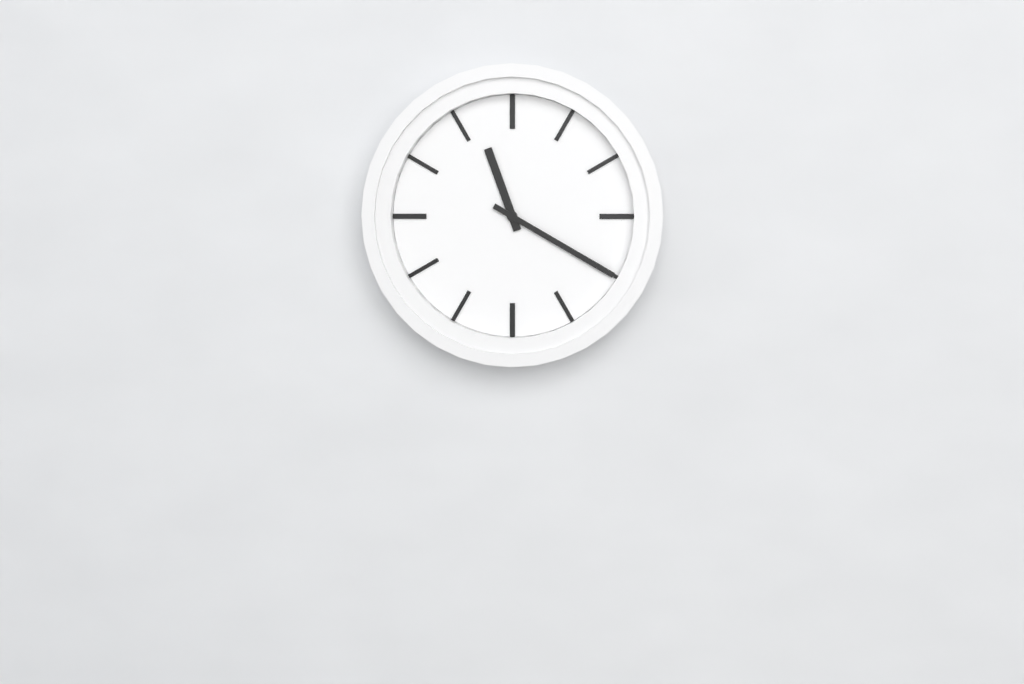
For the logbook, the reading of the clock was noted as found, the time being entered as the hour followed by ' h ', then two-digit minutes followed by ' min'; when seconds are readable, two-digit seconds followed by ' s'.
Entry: 11 h 20 min
